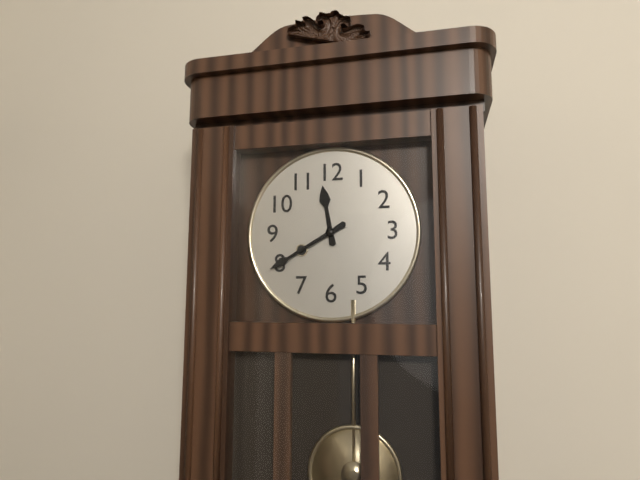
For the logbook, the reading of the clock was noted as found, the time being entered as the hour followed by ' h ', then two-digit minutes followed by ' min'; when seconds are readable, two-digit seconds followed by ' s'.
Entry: 11 h 40 min
